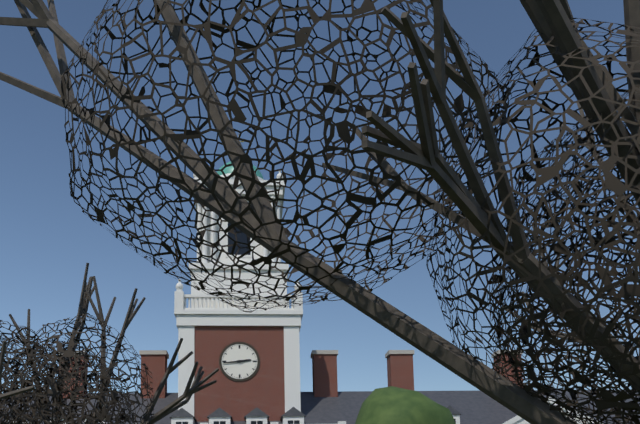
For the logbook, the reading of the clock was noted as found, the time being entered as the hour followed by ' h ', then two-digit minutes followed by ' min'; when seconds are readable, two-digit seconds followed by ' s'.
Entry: 2 h 44 min
